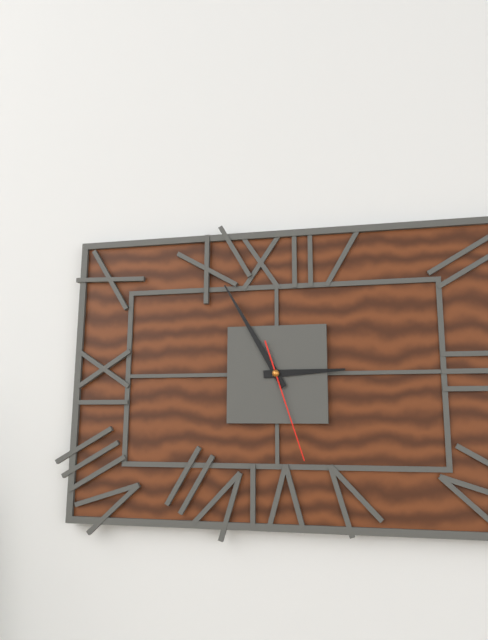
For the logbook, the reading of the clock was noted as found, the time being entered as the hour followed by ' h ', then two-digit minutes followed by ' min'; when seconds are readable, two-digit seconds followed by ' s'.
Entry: 2 h 55 min 27 s
